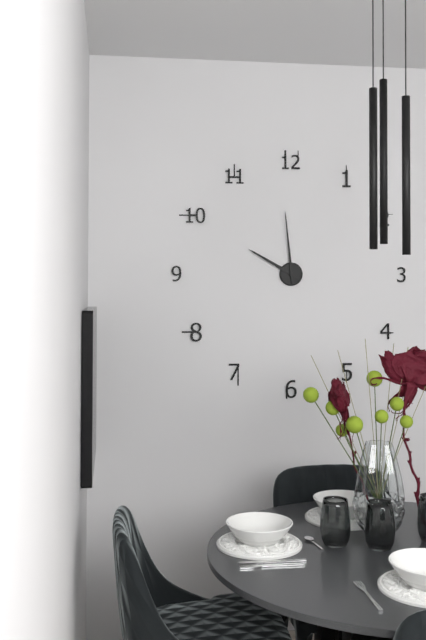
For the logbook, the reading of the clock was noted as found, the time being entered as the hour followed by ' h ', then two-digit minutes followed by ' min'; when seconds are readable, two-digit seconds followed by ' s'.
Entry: 9 h 59 min
